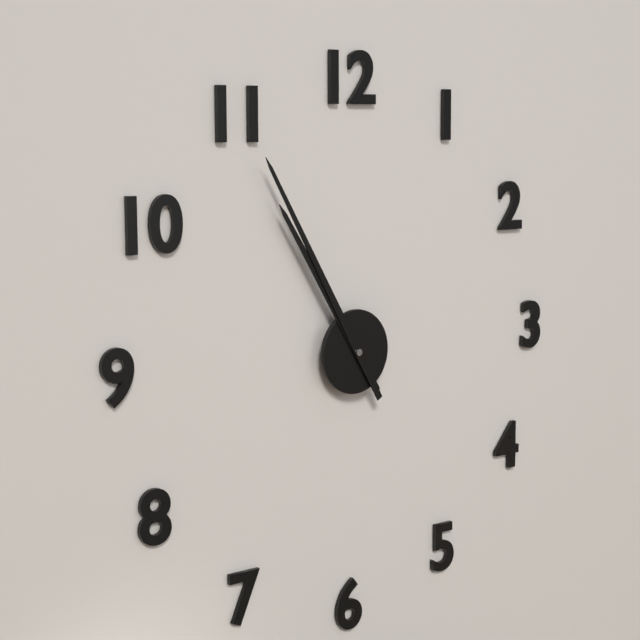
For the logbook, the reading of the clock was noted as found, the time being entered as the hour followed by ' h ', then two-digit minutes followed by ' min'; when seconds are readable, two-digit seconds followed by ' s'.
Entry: 10 h 55 min
